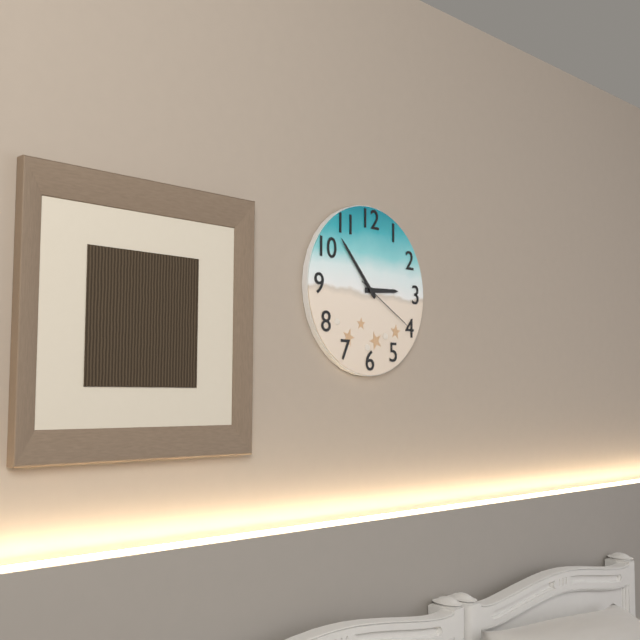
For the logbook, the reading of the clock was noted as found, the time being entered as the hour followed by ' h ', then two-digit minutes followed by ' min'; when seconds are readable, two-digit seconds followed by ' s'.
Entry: 2 h 53 min 20 s
